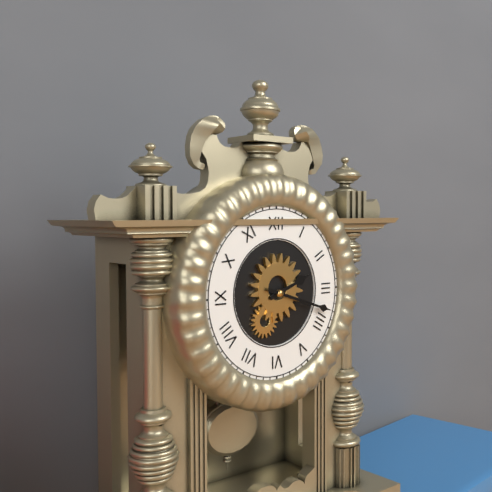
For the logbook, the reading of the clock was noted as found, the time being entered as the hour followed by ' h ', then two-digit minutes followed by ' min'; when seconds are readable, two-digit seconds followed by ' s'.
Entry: 2 h 18 min
